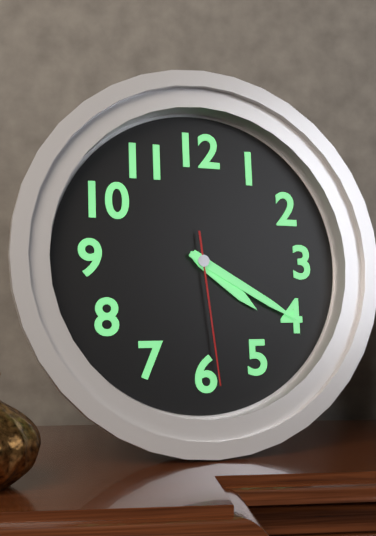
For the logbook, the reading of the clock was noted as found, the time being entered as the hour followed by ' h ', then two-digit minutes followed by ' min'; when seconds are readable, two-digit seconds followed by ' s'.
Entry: 4 h 20 min 29 s
